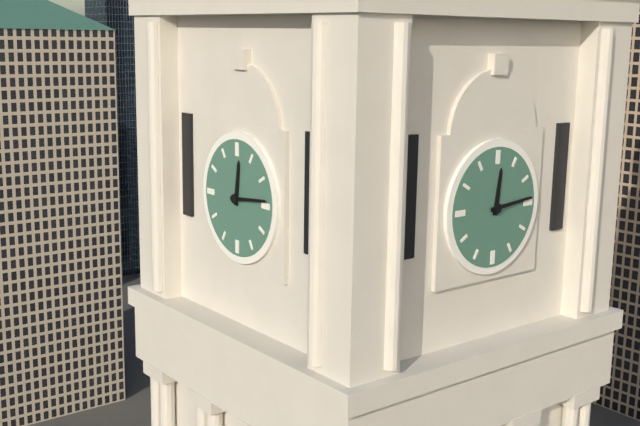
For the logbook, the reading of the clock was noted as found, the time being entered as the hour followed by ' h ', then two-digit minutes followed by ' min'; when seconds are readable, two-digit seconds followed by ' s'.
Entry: 12 h 14 min
